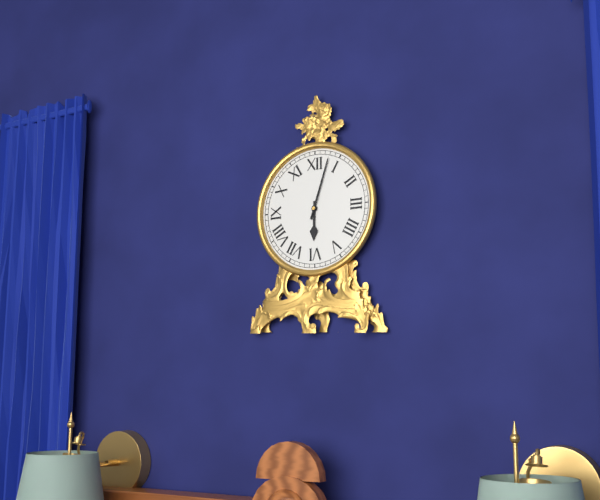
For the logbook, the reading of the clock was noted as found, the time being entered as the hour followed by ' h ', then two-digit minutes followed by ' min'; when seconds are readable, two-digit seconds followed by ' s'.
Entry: 6 h 03 min
